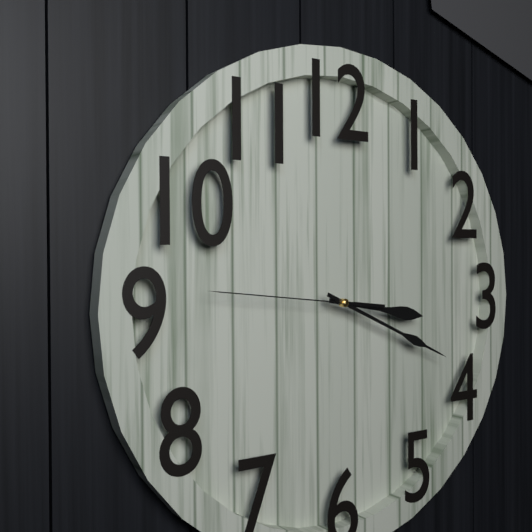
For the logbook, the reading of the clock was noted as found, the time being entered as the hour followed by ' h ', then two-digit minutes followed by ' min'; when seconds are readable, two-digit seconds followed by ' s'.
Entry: 3 h 19 min 46 s
